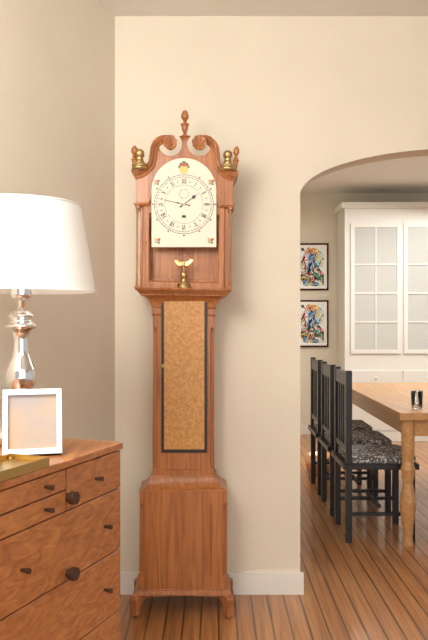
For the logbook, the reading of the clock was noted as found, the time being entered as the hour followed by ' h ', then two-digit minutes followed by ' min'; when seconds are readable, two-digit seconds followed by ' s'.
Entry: 1 h 47 min
